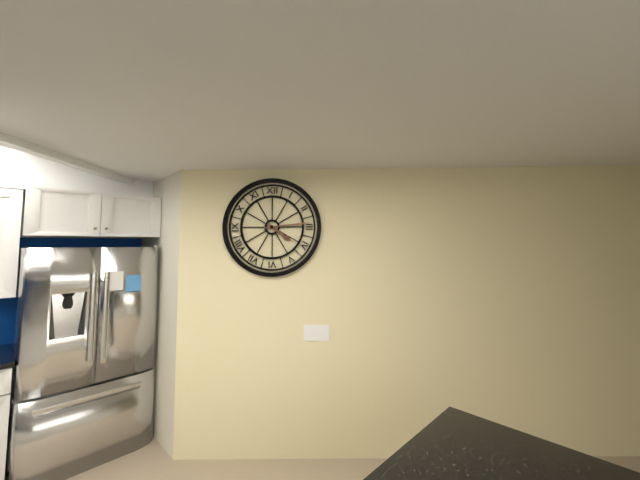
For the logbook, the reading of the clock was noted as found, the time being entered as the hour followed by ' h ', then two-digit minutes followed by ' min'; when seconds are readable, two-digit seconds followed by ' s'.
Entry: 4 h 14 min
